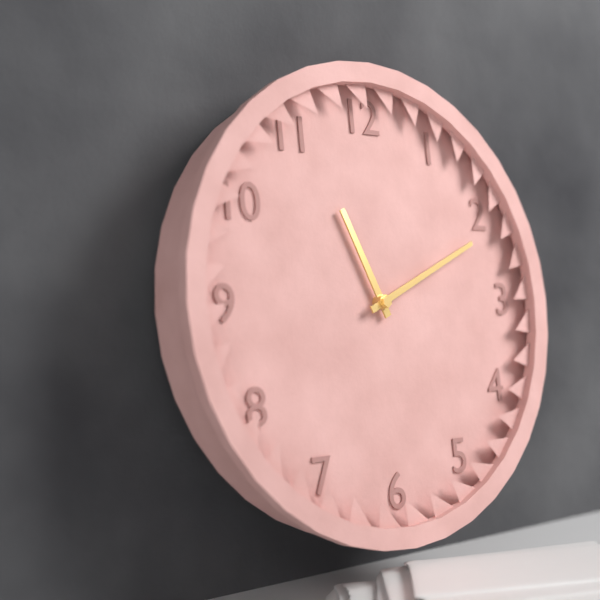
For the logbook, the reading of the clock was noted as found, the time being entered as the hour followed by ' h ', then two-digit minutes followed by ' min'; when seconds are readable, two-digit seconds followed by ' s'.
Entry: 11 h 11 min
